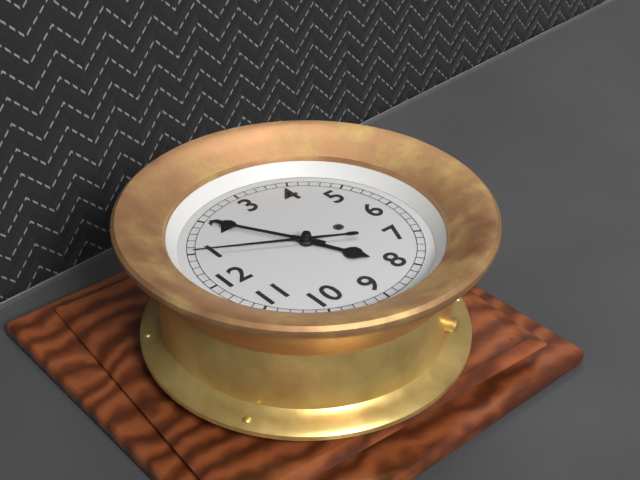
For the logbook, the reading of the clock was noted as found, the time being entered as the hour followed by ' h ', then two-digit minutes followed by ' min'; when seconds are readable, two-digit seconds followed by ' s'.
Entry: 8 h 10 min 05 s
